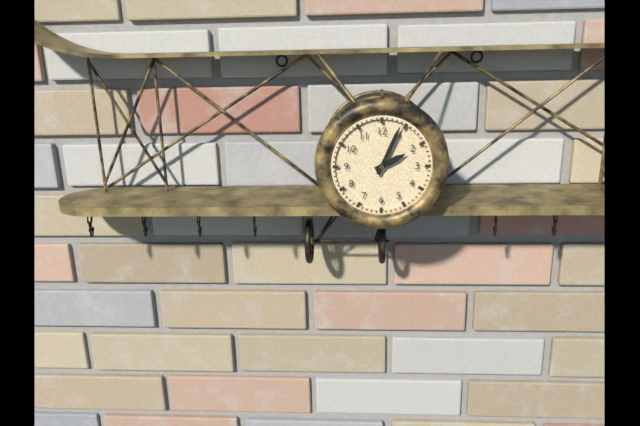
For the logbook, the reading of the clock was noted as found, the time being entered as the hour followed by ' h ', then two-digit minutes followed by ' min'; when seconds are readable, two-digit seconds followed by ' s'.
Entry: 2 h 04 min
